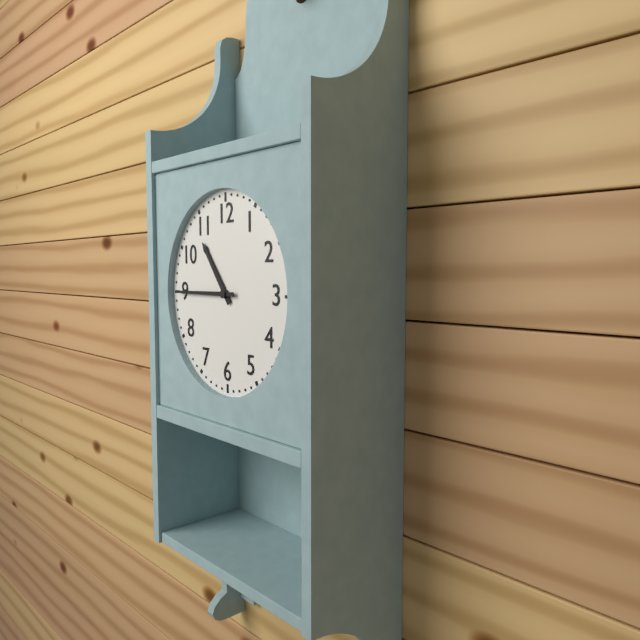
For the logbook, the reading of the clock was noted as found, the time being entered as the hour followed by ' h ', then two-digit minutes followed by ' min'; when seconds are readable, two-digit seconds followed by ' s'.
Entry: 10 h 45 min
